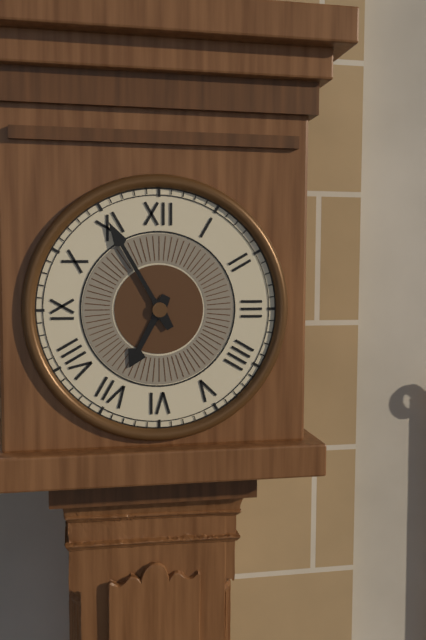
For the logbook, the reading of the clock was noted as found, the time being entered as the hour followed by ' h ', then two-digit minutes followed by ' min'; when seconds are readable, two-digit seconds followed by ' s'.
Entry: 6 h 55 min
